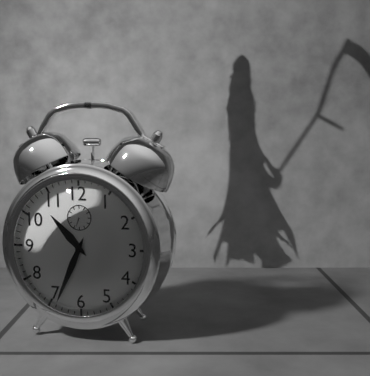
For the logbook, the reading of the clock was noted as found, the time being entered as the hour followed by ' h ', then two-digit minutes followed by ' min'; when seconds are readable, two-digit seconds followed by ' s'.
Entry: 10 h 34 min
